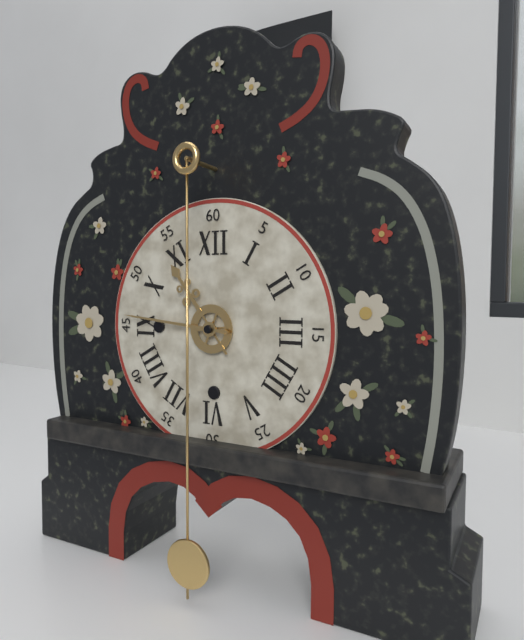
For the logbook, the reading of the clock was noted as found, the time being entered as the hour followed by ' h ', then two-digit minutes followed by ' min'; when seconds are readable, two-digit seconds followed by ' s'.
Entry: 10 h 46 min
